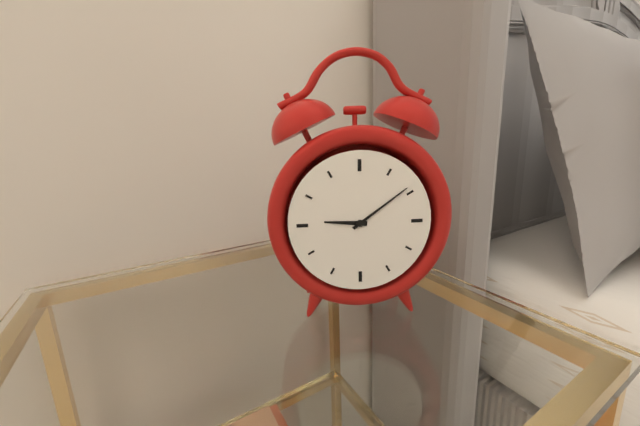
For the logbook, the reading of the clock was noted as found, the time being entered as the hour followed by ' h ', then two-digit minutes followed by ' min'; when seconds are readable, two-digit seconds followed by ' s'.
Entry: 9 h 09 min
